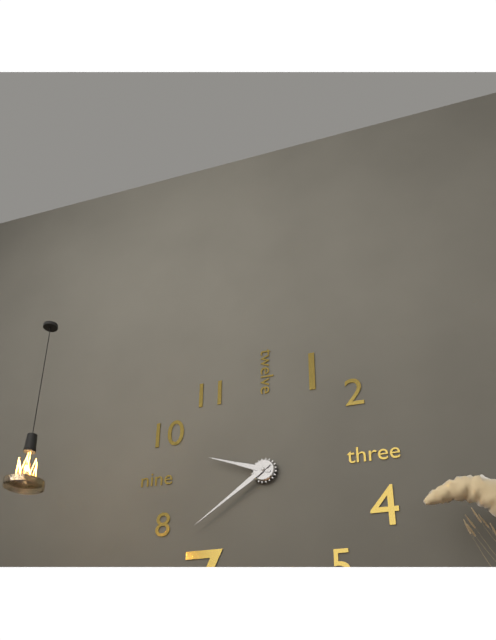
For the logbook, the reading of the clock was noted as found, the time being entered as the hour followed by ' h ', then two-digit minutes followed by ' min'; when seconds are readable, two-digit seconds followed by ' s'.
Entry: 9 h 39 min
